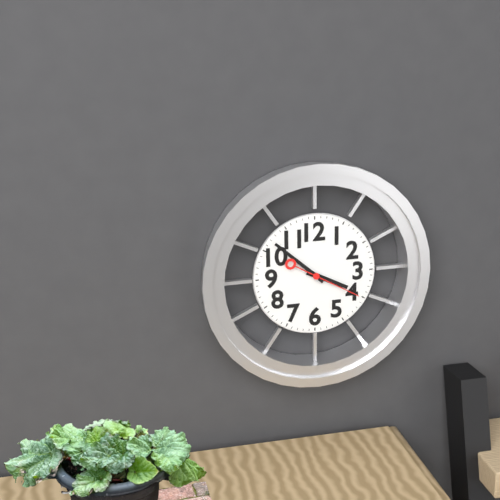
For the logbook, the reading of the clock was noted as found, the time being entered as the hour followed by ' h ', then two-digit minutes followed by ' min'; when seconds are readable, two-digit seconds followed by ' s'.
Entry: 3 h 52 min 20 s
